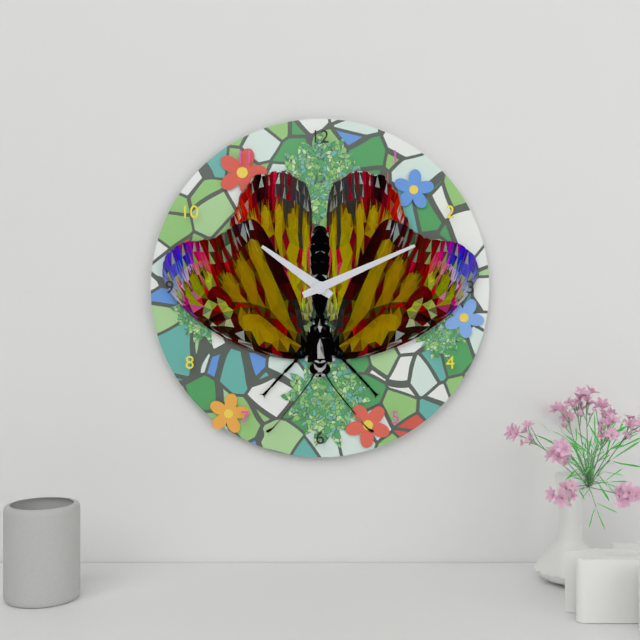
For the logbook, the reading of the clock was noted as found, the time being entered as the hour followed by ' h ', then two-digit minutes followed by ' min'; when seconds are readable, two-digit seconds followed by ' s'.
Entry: 10 h 11 min
